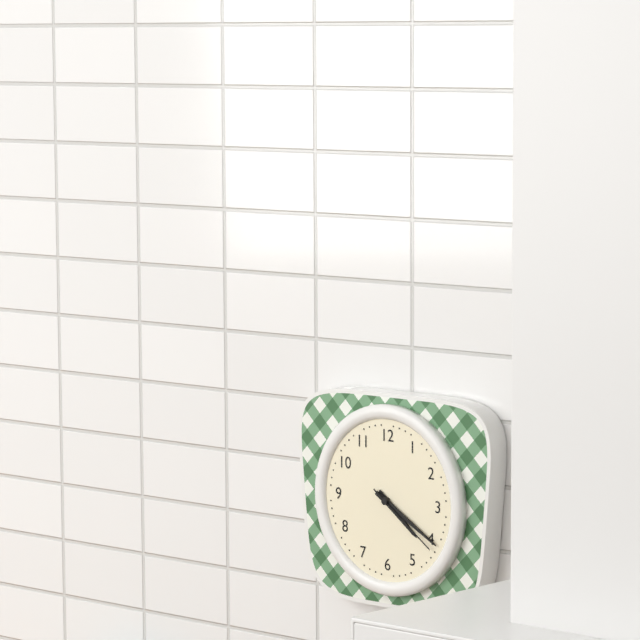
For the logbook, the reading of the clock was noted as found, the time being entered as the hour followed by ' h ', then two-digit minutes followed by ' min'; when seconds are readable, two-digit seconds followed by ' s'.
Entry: 4 h 20 min 21 s
